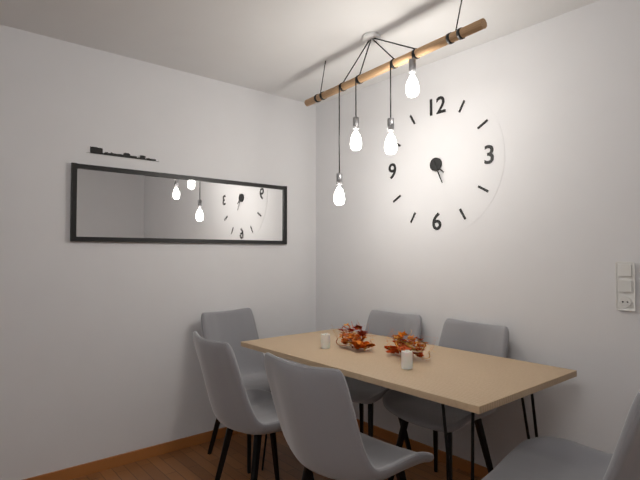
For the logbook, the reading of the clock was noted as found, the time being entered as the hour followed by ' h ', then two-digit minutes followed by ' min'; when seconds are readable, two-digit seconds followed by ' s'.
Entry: 4 h 26 min
